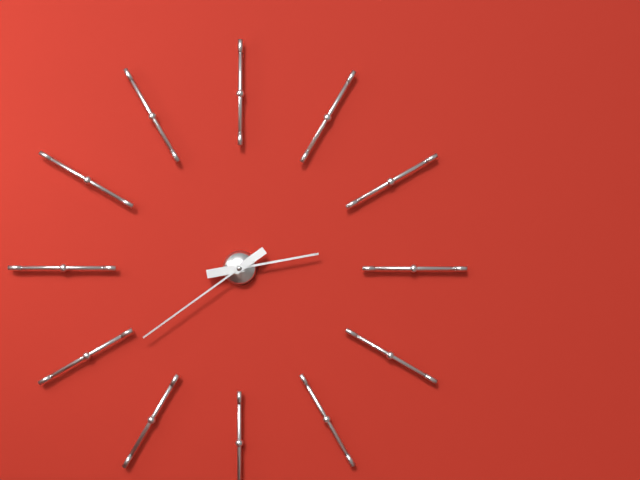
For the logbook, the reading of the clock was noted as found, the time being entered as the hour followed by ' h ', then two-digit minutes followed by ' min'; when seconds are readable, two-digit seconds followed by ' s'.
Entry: 2 h 39 min
